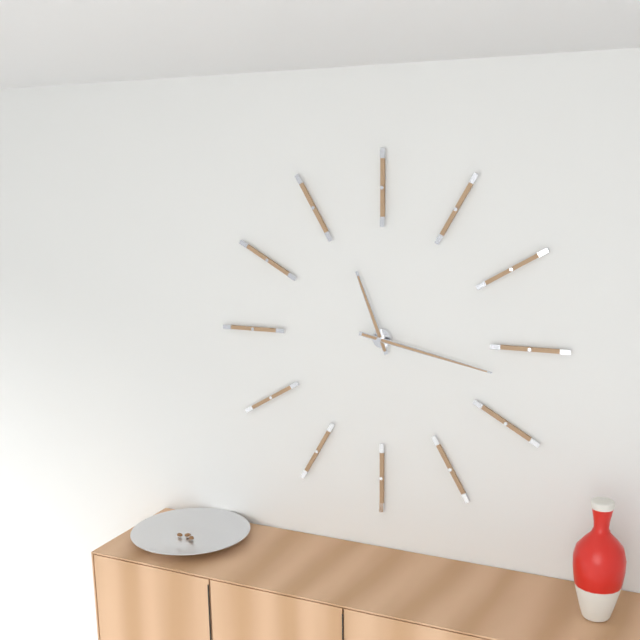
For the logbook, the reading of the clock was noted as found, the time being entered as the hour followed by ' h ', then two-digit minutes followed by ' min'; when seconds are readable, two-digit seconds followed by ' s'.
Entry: 11 h 17 min
